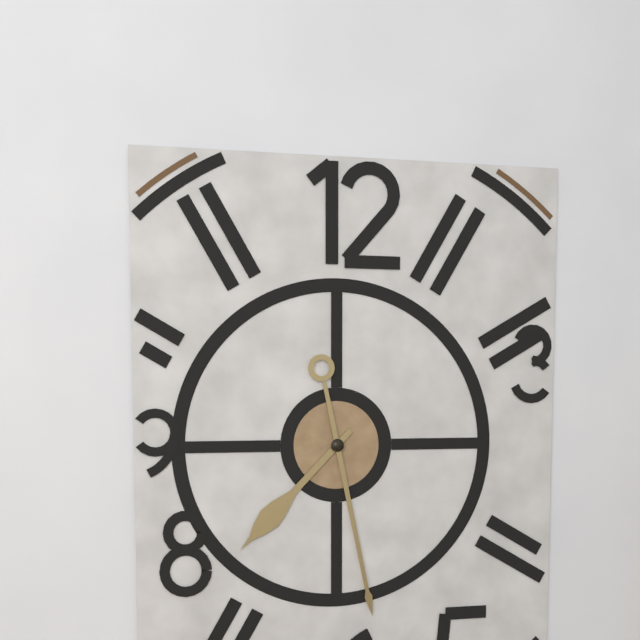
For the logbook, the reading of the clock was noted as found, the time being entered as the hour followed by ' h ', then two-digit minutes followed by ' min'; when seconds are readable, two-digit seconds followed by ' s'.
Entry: 7 h 28 min
